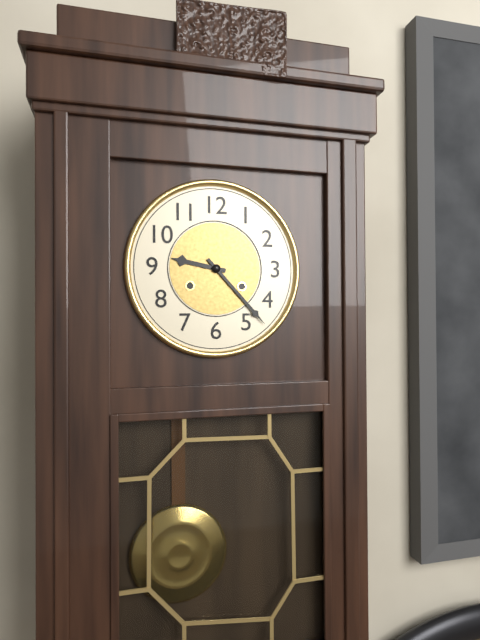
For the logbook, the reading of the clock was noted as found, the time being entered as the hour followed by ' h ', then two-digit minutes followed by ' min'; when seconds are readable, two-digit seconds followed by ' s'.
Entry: 9 h 23 min
